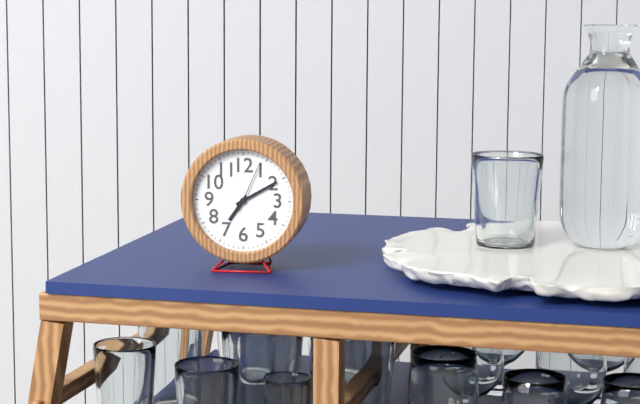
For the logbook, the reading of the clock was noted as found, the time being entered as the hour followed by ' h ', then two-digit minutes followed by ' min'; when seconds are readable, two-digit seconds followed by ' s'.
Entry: 7 h 10 min 04 s
